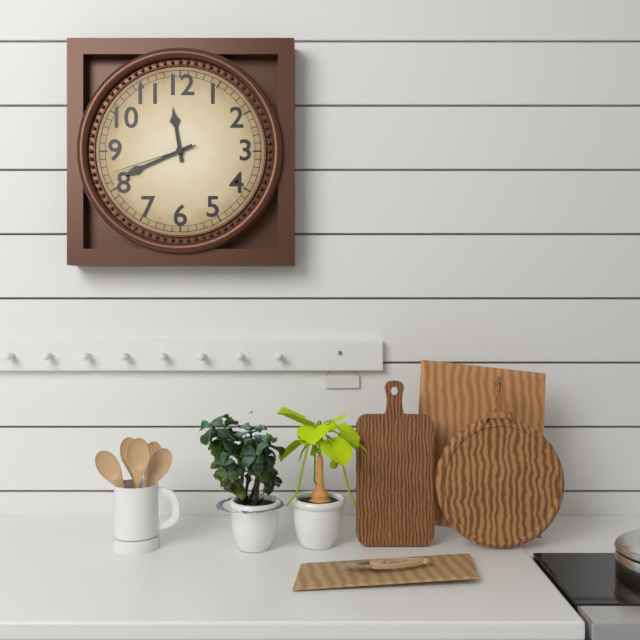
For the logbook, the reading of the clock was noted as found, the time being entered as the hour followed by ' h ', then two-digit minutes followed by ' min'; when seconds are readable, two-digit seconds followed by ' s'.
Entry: 11 h 41 min 42 s
